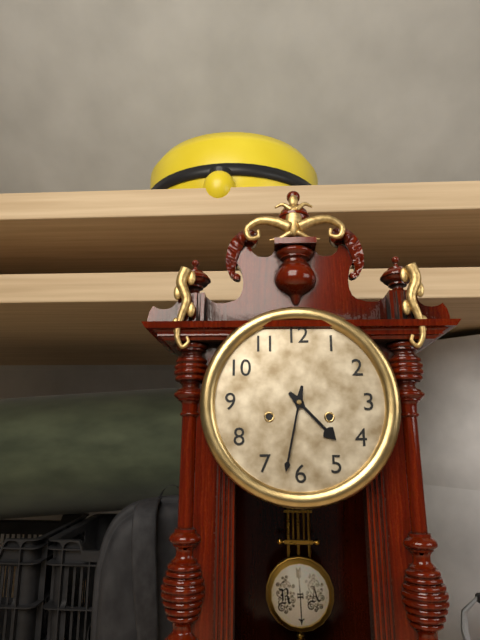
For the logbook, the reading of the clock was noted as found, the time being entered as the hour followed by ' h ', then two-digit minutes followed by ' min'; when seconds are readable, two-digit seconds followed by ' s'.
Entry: 4 h 32 min
